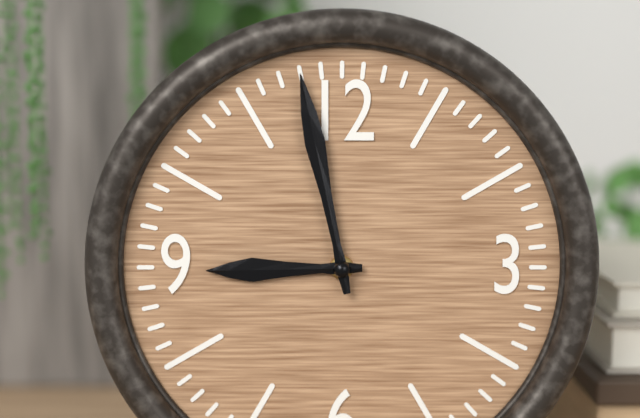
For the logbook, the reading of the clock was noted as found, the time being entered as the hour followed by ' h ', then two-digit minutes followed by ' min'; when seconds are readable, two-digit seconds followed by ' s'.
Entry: 8 h 58 min
